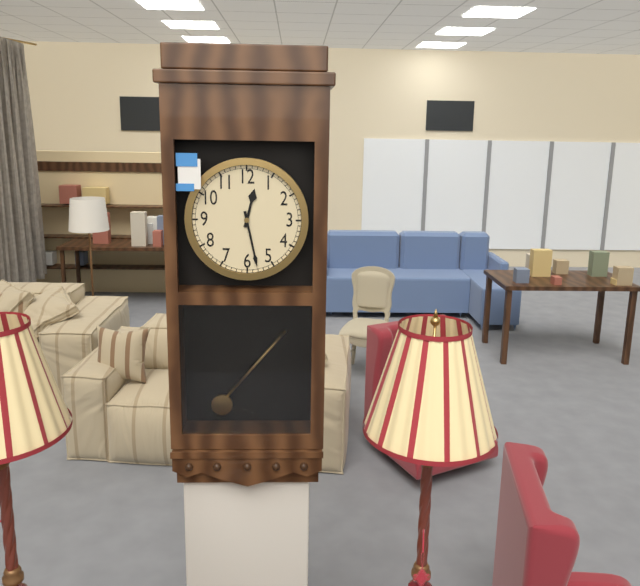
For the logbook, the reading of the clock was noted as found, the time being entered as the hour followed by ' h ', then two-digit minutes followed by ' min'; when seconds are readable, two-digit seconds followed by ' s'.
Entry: 12 h 28 min
